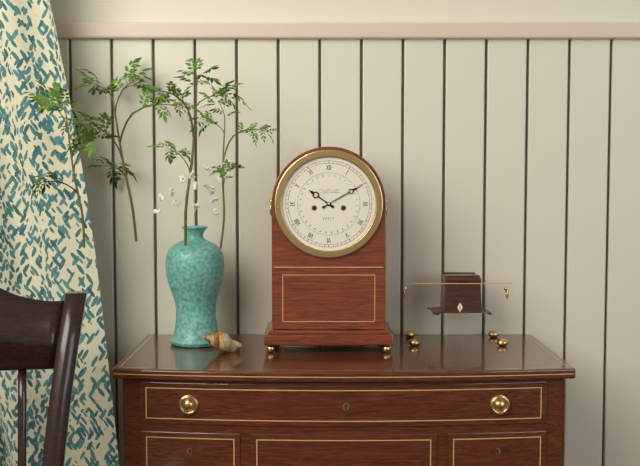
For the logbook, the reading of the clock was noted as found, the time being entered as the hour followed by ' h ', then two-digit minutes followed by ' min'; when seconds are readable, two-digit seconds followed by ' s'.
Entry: 10 h 10 min
